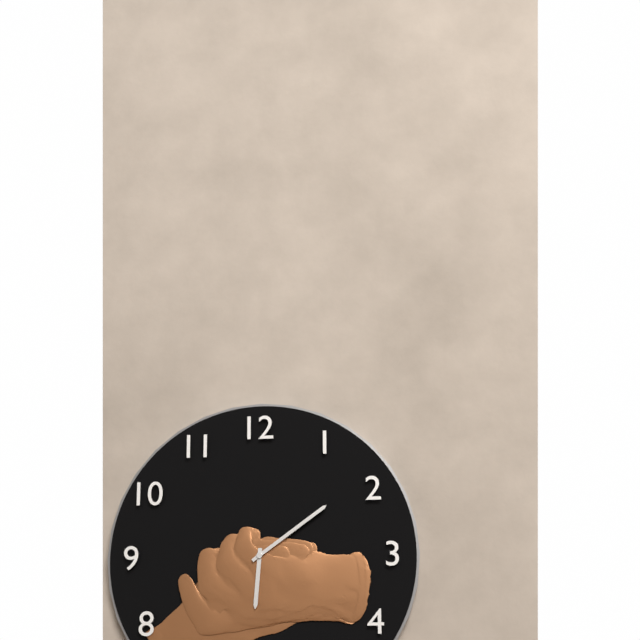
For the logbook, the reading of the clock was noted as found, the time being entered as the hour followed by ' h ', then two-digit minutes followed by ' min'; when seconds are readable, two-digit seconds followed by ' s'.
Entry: 6 h 09 min
